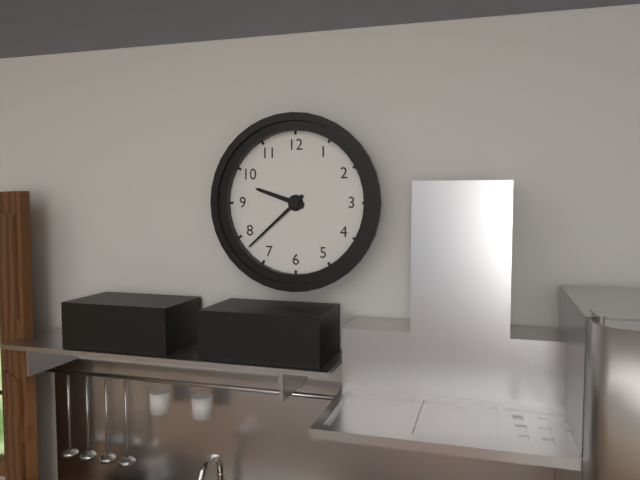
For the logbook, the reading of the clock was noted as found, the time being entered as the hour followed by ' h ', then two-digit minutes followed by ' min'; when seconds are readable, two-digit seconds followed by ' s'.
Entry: 9 h 38 min
